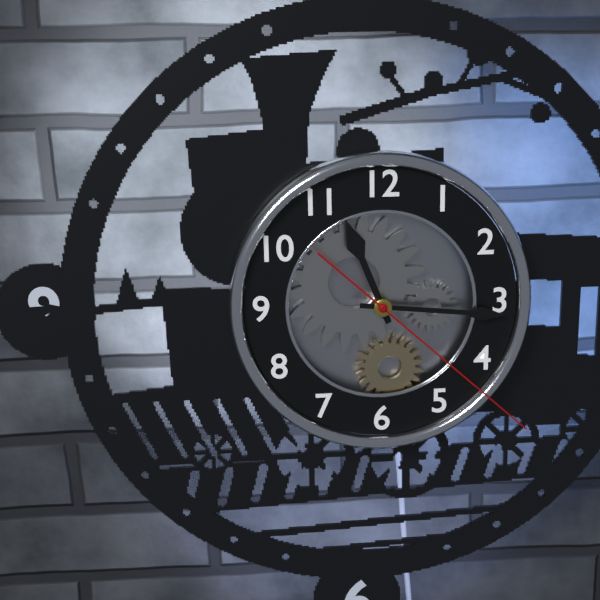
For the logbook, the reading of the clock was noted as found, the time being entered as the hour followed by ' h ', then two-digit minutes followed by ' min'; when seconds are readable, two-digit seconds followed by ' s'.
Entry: 11 h 16 min 22 s
